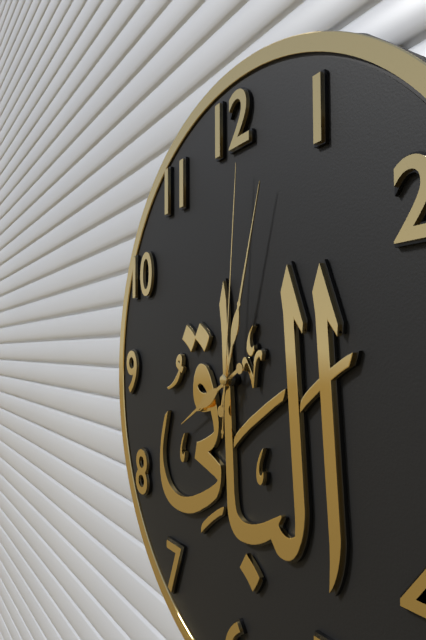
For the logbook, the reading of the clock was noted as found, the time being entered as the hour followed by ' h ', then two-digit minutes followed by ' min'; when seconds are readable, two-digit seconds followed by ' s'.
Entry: 8 h 03 min 01 s
